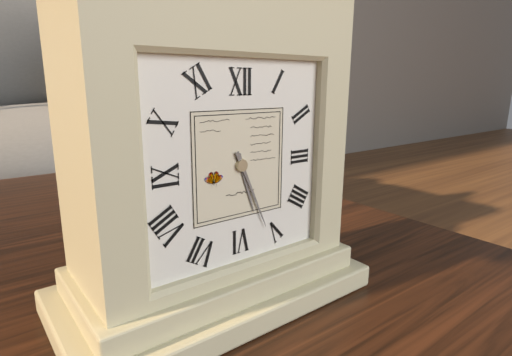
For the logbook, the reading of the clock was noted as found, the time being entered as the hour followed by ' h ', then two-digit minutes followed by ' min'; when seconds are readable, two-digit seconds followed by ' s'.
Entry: 5 h 26 min
